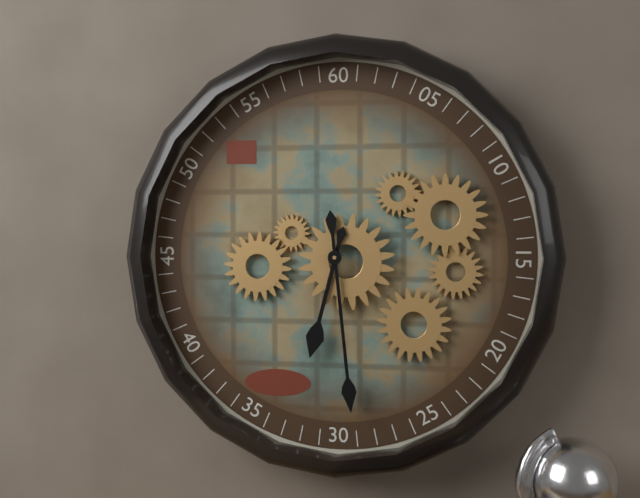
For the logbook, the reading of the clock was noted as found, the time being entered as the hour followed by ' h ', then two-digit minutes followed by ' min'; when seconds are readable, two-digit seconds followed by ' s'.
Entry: 6 h 29 min
